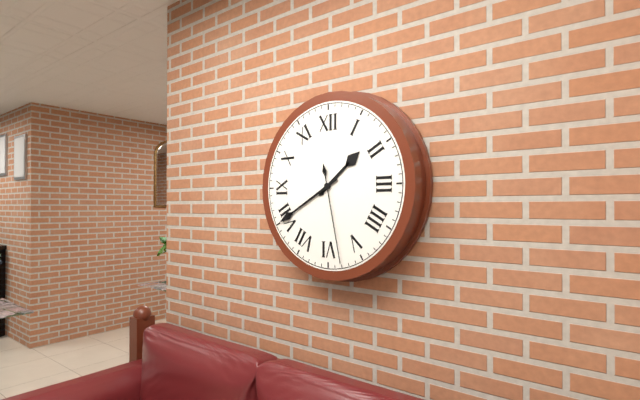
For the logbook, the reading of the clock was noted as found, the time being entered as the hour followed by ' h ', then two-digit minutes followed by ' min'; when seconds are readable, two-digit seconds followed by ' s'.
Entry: 1 h 40 min 28 s
